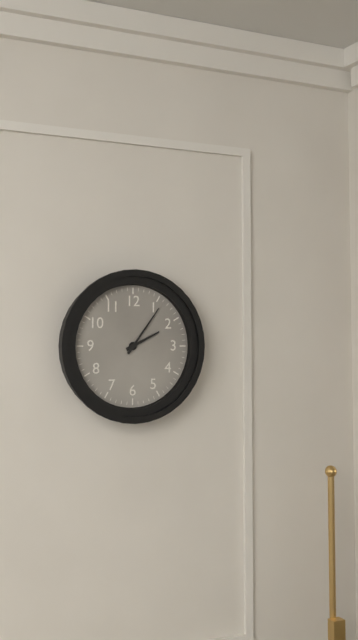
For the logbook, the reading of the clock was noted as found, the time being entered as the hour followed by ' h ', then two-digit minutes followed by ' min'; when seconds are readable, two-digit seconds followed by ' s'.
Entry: 2 h 06 min
